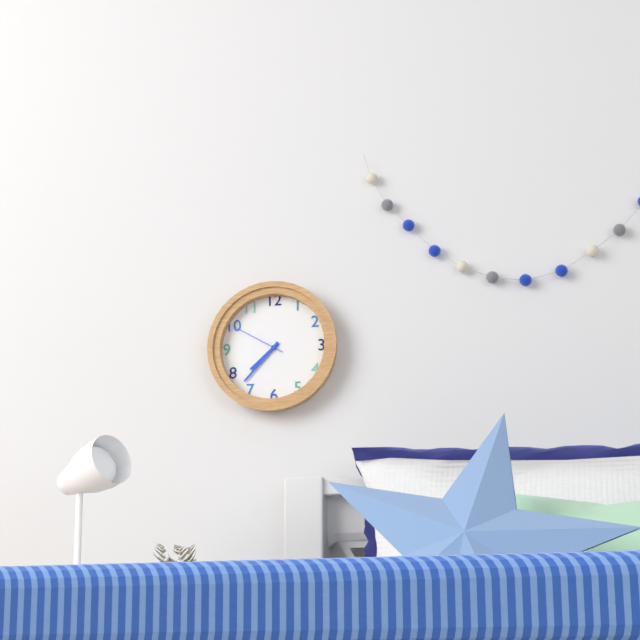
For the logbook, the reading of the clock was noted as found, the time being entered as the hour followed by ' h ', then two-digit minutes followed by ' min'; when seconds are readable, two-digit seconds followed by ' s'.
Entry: 7 h 37 min 50 s
